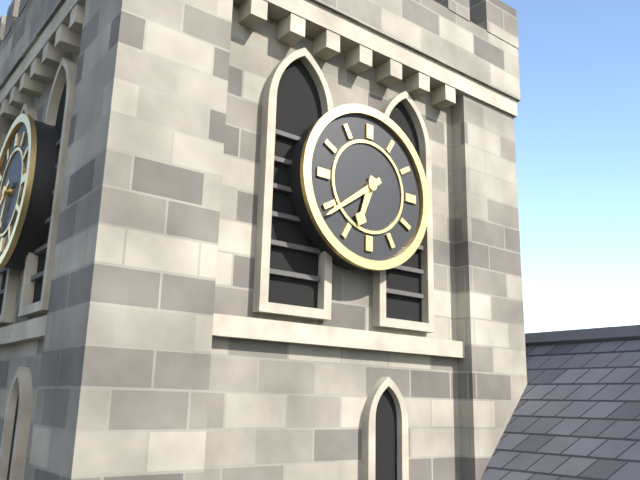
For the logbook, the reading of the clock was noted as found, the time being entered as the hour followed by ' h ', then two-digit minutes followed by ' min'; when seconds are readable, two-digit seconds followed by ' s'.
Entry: 6 h 39 min
